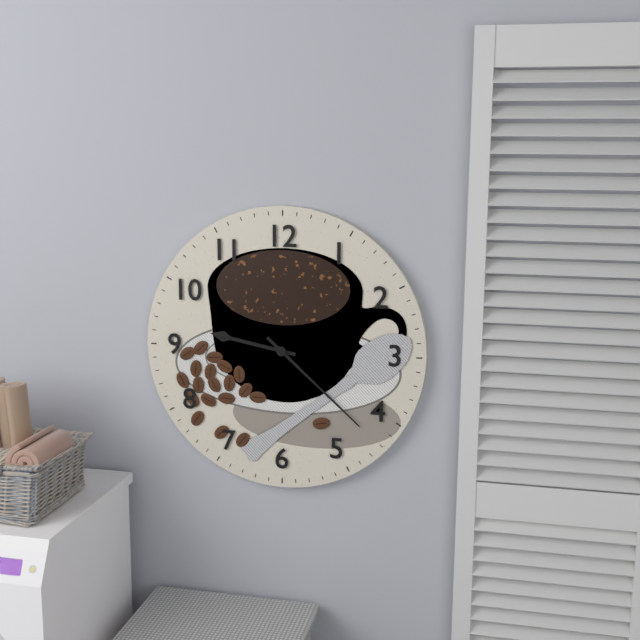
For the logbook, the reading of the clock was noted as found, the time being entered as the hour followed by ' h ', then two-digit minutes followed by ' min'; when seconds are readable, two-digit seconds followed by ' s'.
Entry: 9 h 22 min
